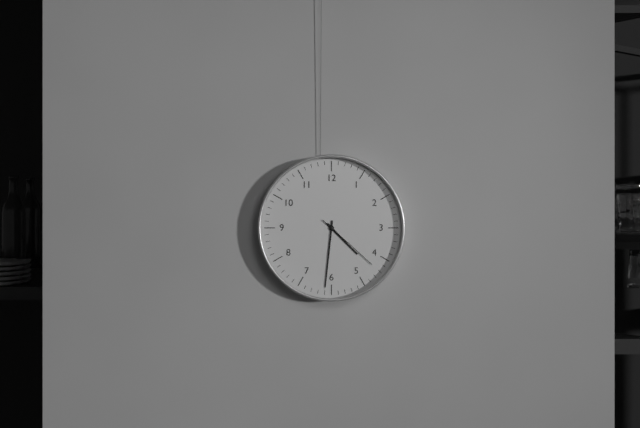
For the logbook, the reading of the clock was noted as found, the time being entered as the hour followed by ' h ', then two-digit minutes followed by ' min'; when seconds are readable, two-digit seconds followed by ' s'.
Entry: 4 h 31 min 22 s
